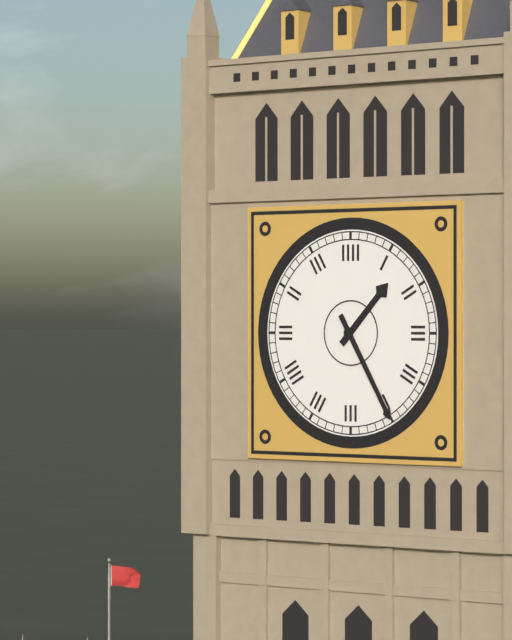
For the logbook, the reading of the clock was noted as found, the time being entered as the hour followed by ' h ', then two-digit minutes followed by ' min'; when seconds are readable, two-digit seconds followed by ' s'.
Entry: 1 h 25 min
